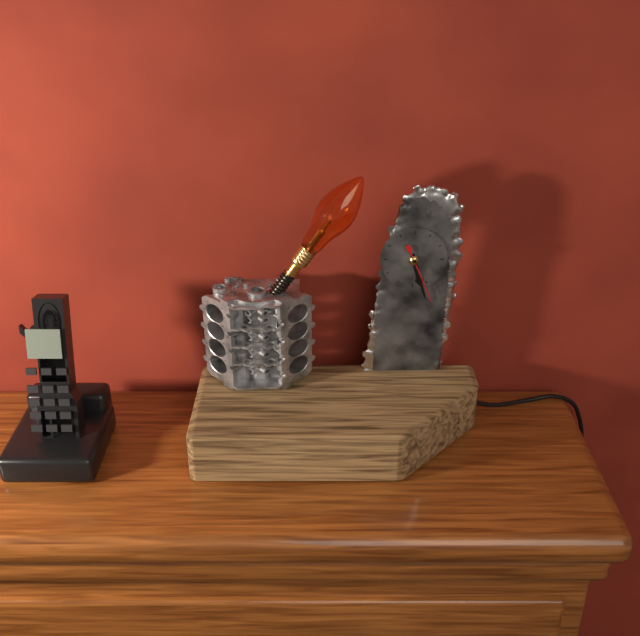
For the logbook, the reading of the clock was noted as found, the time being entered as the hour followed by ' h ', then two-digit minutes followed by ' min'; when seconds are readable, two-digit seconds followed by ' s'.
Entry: 5 h 27 min 26 s
